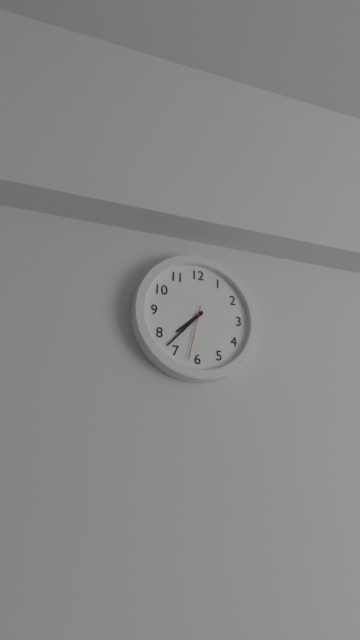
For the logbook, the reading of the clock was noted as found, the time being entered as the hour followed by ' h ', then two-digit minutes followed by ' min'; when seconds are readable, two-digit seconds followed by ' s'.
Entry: 7 h 37 min 32 s
